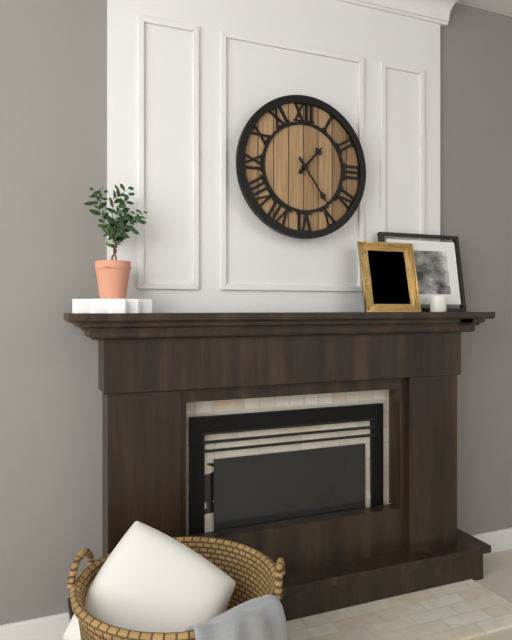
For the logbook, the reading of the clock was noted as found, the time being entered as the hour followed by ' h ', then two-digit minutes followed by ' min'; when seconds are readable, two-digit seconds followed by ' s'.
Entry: 1 h 24 min
